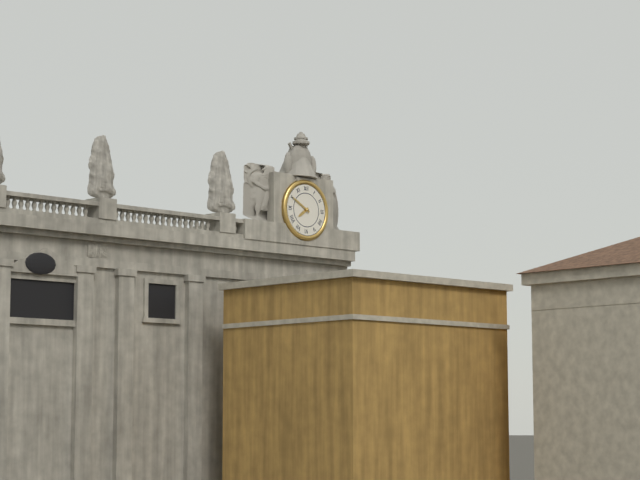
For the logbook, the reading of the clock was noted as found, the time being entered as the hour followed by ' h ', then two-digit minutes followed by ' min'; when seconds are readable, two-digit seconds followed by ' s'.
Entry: 7 h 50 min
